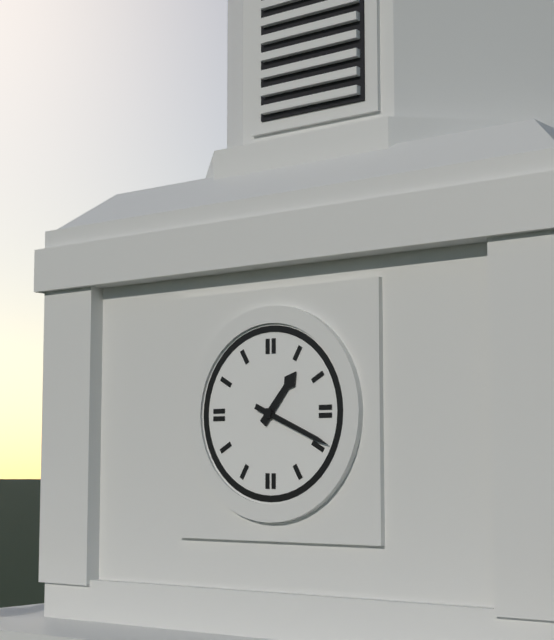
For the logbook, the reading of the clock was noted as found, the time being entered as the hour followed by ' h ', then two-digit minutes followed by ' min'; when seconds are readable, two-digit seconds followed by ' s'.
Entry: 1 h 19 min
